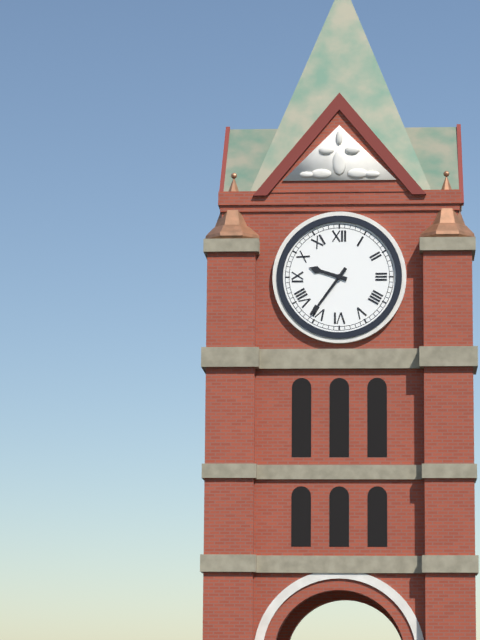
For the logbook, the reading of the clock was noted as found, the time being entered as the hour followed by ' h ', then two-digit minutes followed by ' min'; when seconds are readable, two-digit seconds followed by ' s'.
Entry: 9 h 36 min
